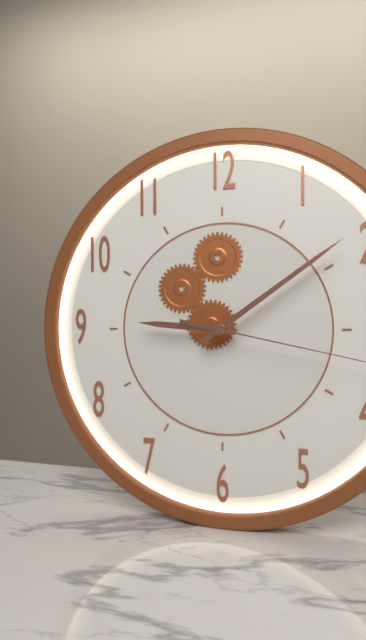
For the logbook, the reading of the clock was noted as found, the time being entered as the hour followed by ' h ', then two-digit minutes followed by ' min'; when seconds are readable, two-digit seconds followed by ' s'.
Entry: 9 h 09 min
